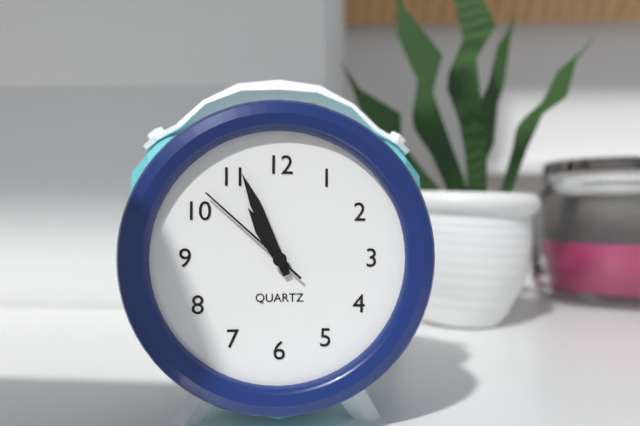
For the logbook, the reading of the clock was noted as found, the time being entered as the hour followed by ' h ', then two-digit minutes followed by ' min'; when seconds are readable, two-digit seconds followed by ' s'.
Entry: 10 h 56 min 52 s
